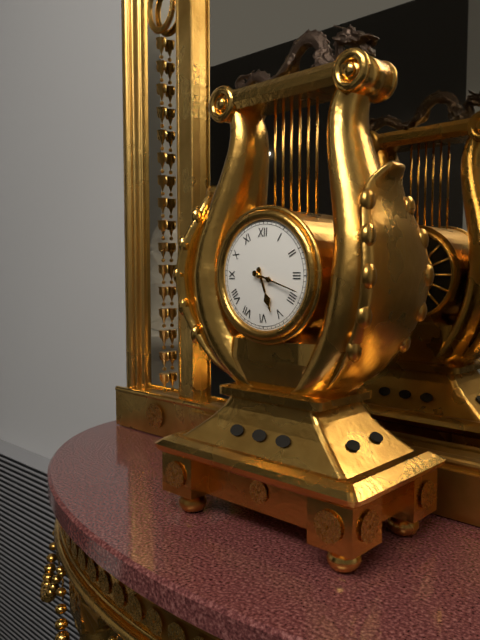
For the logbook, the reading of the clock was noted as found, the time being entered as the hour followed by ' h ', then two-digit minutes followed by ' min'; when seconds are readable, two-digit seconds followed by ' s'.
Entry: 5 h 18 min
